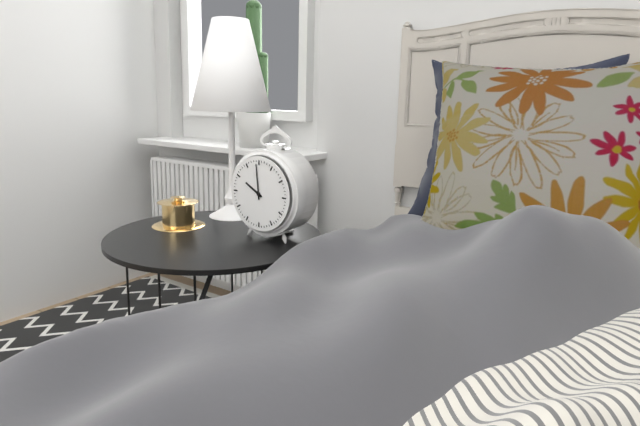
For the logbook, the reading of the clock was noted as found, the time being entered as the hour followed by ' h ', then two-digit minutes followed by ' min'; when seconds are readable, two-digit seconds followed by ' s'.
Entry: 9 h 59 min
